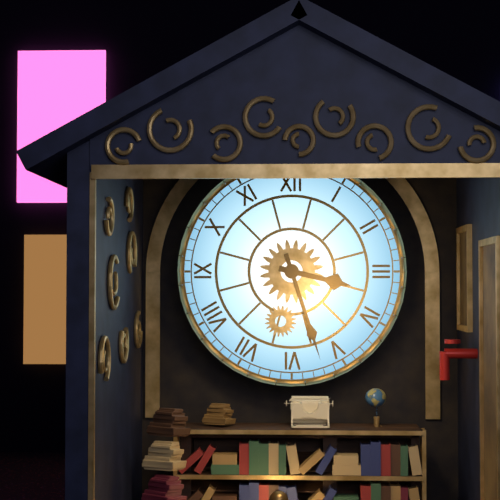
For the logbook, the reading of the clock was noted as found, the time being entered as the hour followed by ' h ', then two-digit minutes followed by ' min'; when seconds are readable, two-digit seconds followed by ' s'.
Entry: 3 h 27 min
